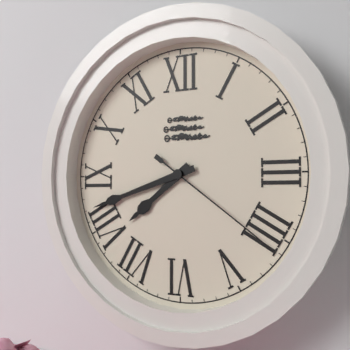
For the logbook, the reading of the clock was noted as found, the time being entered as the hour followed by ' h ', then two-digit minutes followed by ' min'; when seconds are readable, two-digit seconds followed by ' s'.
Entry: 7 h 42 min 21 s
